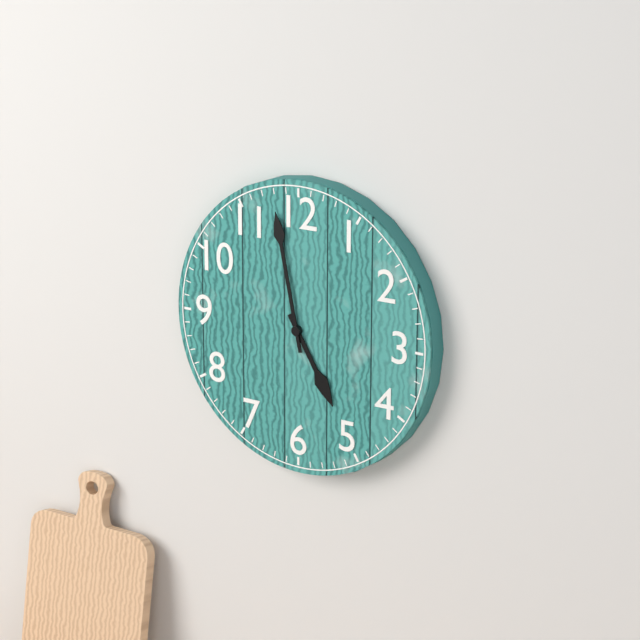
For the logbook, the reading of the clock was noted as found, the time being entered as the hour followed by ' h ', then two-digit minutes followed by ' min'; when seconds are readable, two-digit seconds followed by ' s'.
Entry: 4 h 58 min
